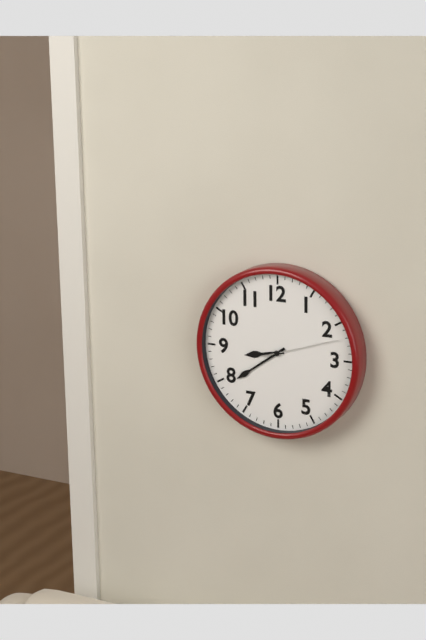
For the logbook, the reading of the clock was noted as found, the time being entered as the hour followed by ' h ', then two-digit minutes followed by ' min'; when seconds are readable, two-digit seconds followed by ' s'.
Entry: 8 h 39 min 12 s
